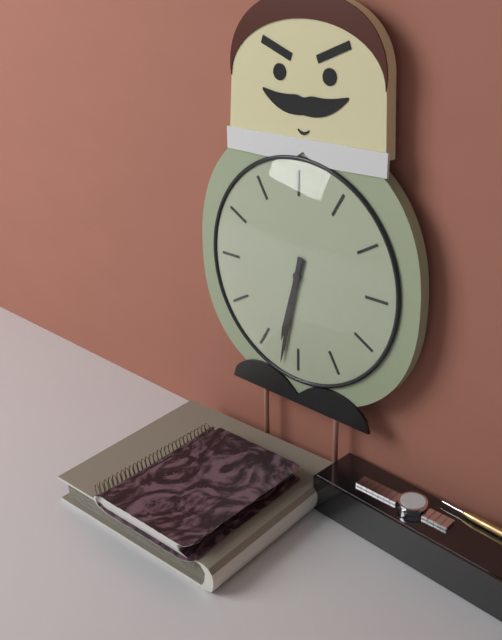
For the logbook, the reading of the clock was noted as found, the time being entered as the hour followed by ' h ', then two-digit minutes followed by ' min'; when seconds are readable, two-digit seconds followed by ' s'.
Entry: 6 h 32 min
